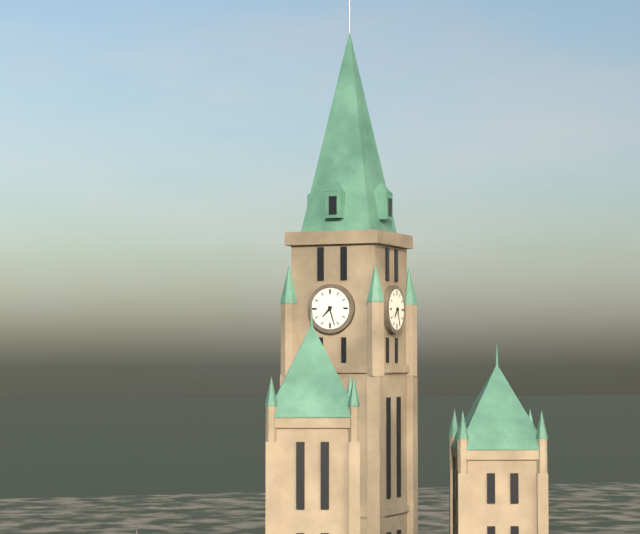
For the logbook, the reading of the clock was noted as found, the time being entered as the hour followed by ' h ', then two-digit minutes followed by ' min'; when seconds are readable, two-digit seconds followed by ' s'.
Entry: 7 h 27 min
